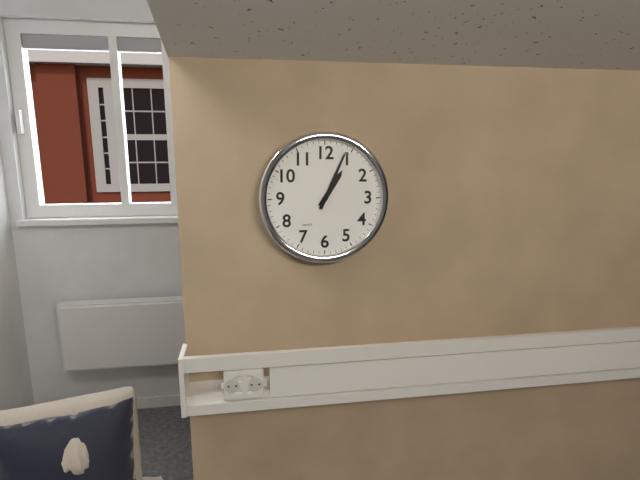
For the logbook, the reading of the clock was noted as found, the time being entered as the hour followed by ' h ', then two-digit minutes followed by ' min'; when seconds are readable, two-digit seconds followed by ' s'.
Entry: 1 h 04 min
